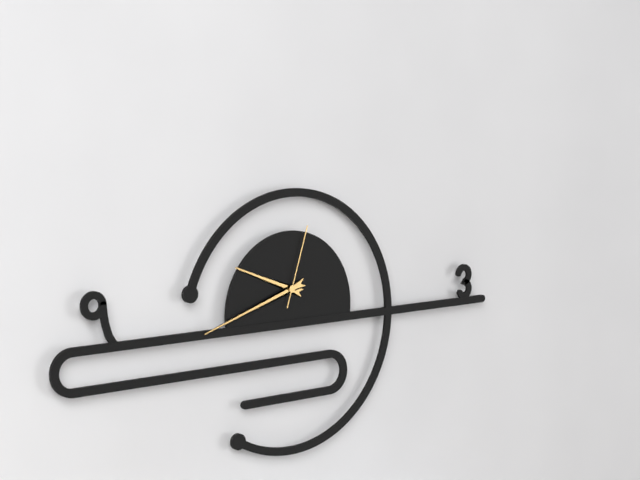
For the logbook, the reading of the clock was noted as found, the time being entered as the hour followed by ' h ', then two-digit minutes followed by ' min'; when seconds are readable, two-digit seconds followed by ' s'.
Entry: 9 h 42 min 03 s
